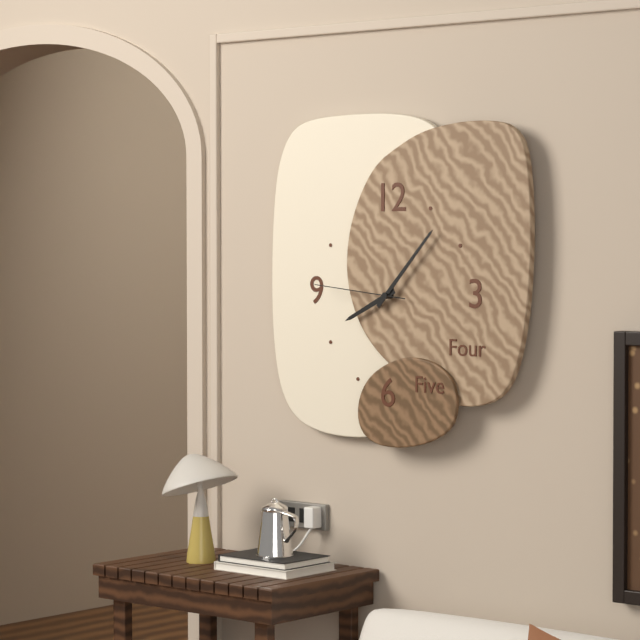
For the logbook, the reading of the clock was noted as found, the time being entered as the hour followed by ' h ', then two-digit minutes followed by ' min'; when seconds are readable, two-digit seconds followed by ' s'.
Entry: 8 h 07 min 46 s
